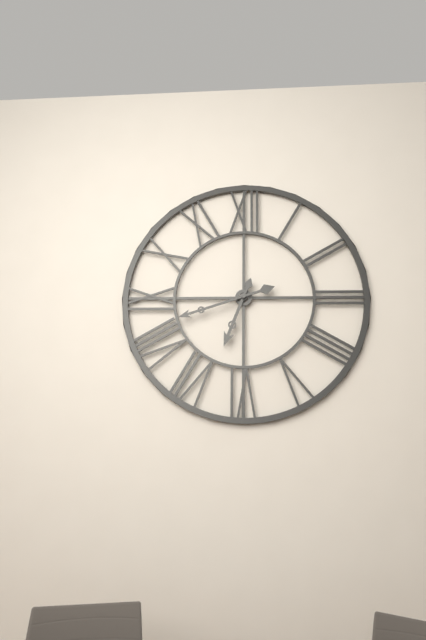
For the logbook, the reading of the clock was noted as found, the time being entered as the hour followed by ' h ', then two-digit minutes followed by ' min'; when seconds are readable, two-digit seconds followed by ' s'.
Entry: 6 h 42 min
